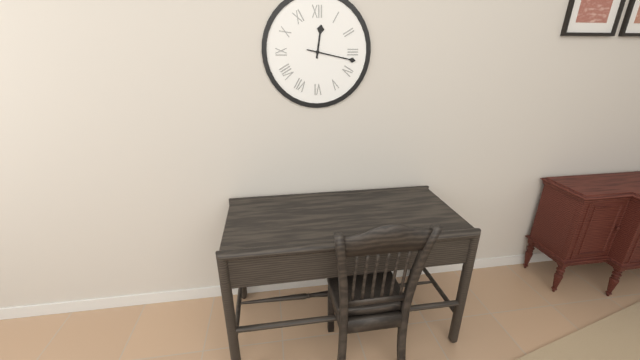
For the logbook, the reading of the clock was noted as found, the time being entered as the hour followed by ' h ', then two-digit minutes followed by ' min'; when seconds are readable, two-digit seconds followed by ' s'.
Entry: 12 h 17 min
